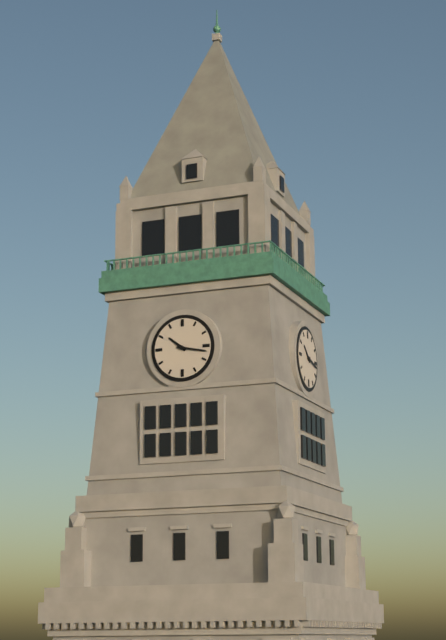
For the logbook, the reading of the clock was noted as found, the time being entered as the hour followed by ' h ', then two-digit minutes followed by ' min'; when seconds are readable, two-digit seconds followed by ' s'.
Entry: 10 h 17 min
